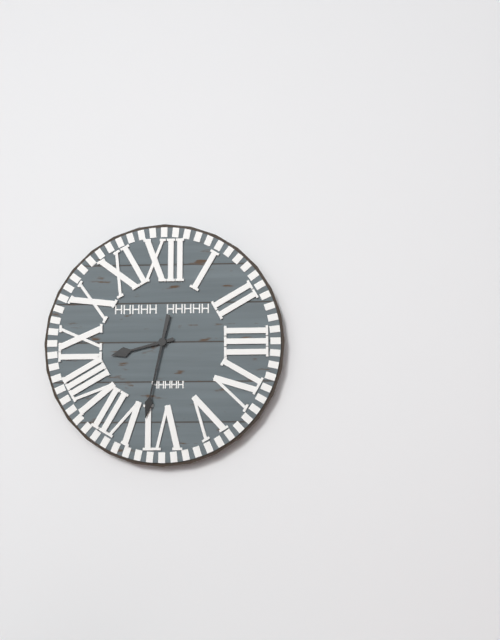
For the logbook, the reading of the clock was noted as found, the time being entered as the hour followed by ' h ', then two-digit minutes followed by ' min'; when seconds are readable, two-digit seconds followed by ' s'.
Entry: 8 h 32 min
